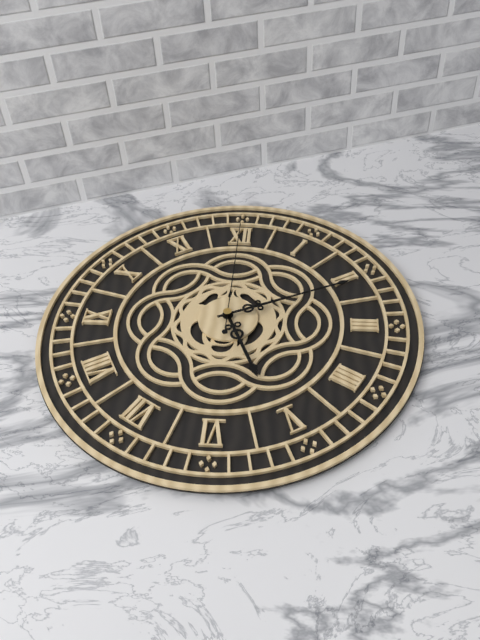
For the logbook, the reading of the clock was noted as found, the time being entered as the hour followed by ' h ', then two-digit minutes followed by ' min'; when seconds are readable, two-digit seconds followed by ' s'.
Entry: 5 h 11 min 00 s
